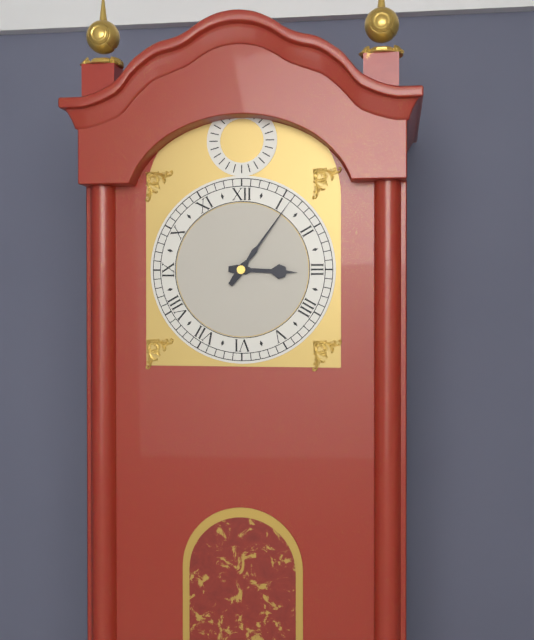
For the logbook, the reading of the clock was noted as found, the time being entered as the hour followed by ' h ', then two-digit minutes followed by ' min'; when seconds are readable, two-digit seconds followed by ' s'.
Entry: 3 h 06 min
